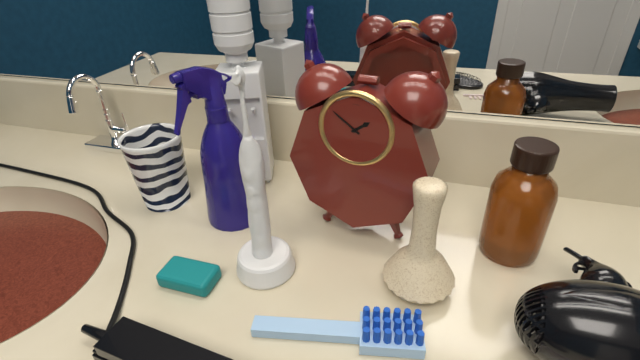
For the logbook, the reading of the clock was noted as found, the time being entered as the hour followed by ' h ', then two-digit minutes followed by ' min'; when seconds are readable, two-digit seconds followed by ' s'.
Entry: 1 h 51 min
